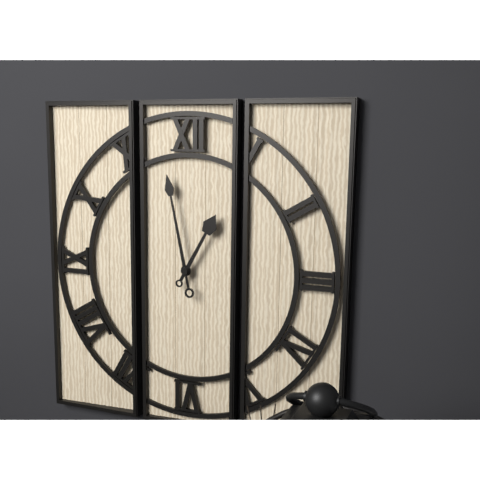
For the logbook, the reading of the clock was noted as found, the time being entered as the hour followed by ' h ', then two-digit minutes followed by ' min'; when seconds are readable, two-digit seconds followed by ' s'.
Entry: 12 h 58 min
